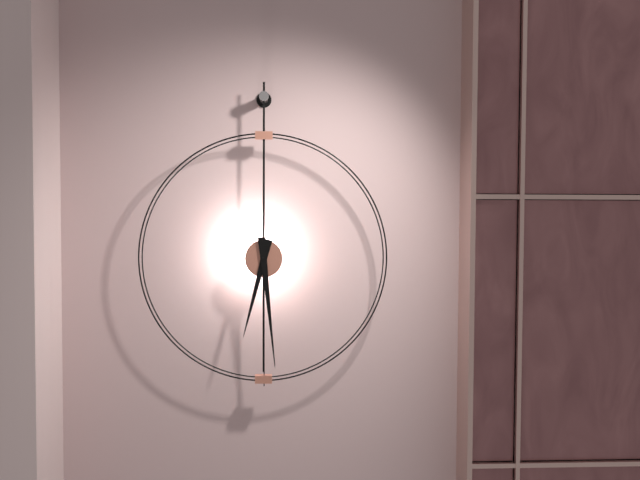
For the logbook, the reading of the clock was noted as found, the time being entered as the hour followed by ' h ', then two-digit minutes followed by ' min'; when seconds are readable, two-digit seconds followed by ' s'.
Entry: 6 h 29 min
